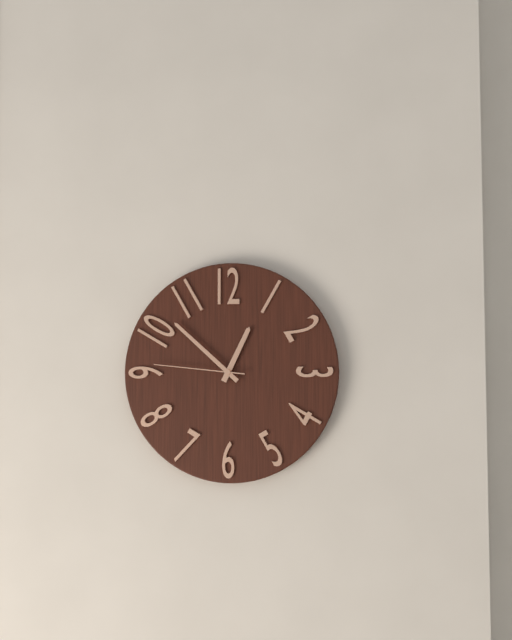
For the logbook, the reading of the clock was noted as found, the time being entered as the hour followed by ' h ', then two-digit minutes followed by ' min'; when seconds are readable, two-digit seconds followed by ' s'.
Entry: 12 h 52 min 46 s
